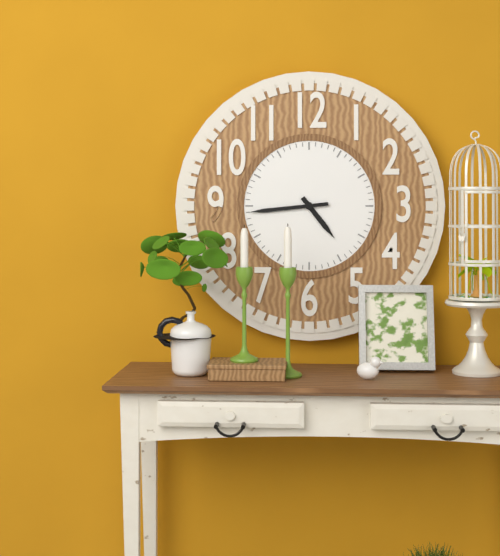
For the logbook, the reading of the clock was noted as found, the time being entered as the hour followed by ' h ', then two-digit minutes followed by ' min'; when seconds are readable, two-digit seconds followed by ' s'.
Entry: 4 h 44 min
